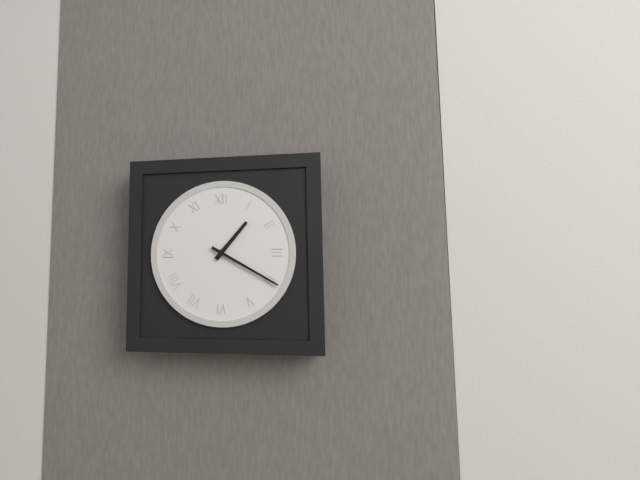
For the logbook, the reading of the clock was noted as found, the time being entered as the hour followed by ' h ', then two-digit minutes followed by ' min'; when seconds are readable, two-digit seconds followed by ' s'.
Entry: 1 h 20 min
